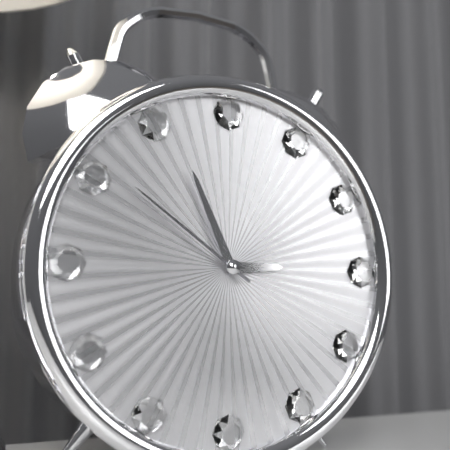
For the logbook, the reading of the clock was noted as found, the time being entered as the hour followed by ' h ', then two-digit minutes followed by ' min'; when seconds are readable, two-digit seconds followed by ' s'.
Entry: 2 h 56 min 51 s
